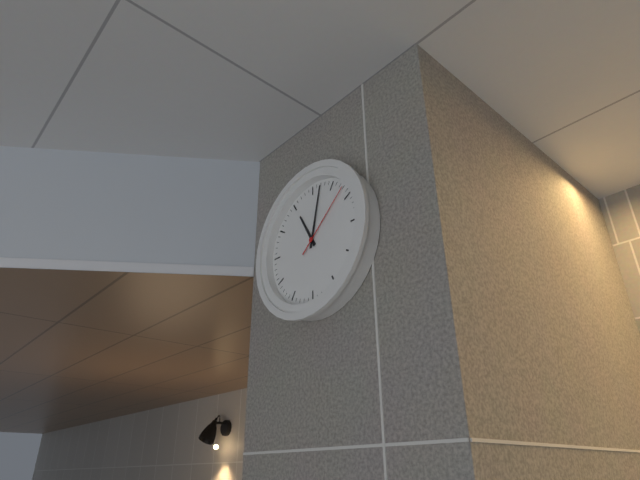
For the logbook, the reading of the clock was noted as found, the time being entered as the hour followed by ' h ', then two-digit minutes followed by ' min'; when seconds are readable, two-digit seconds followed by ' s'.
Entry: 11 h 02 min 08 s
